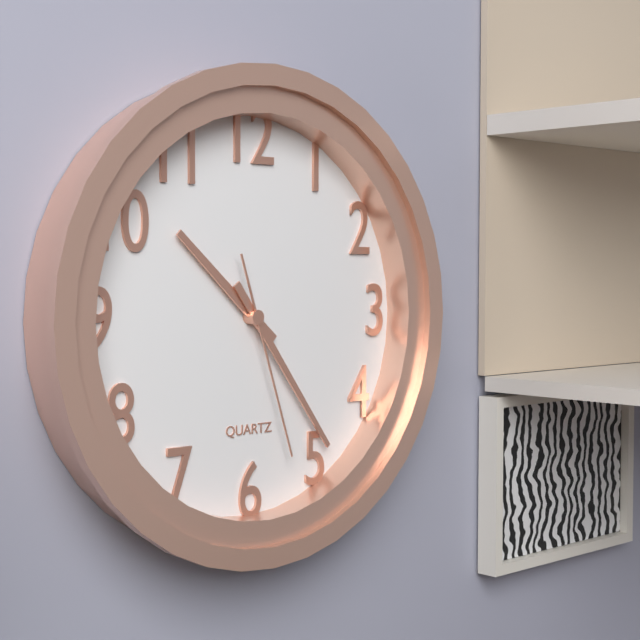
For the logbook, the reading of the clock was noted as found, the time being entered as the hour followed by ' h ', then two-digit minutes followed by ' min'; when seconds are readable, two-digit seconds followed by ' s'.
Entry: 10 h 24 min 27 s
